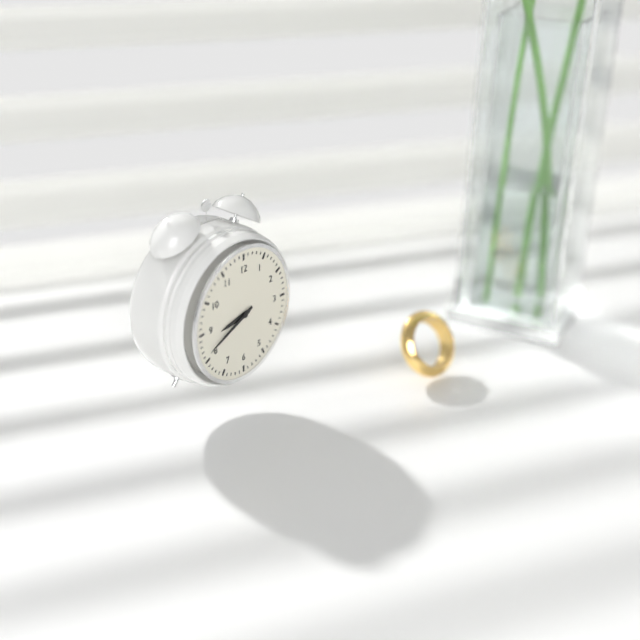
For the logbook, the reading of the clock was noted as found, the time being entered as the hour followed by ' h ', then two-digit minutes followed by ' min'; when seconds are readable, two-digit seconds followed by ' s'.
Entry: 8 h 41 min
